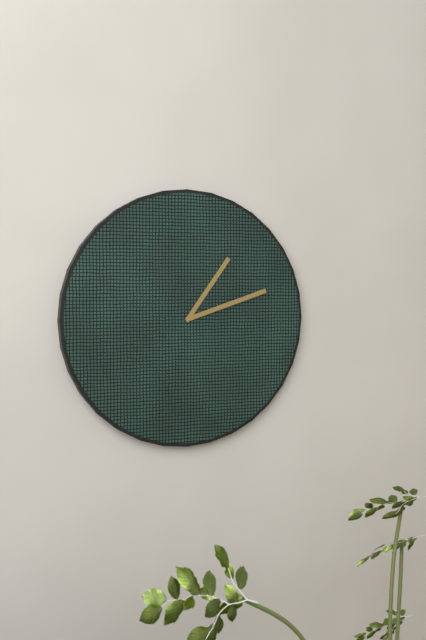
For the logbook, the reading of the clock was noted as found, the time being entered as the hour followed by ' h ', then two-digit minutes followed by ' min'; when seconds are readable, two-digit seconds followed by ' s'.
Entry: 1 h 12 min
